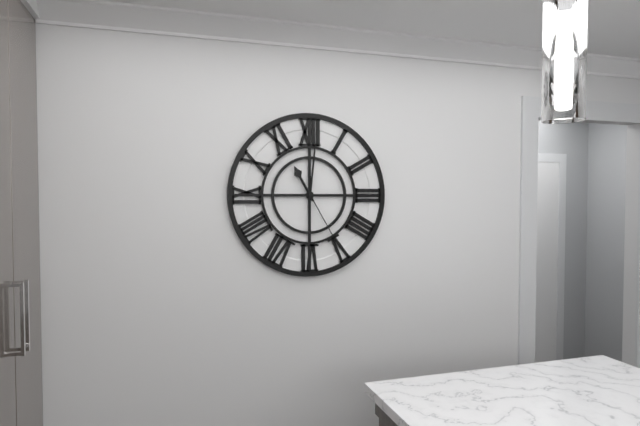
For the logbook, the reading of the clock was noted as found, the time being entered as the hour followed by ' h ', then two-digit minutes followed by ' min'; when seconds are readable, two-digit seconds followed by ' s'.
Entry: 11 h 01 min 25 s
